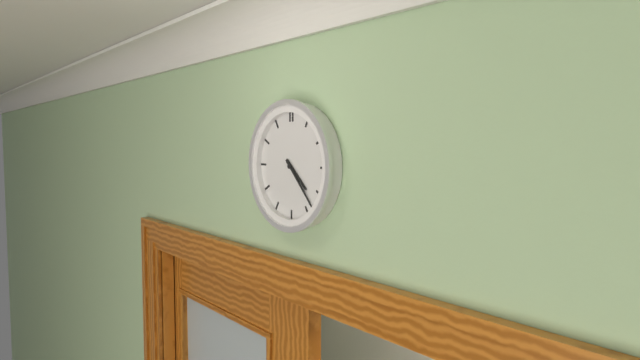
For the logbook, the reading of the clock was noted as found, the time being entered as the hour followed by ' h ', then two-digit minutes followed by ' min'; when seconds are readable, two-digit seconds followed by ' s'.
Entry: 4 h 23 min
